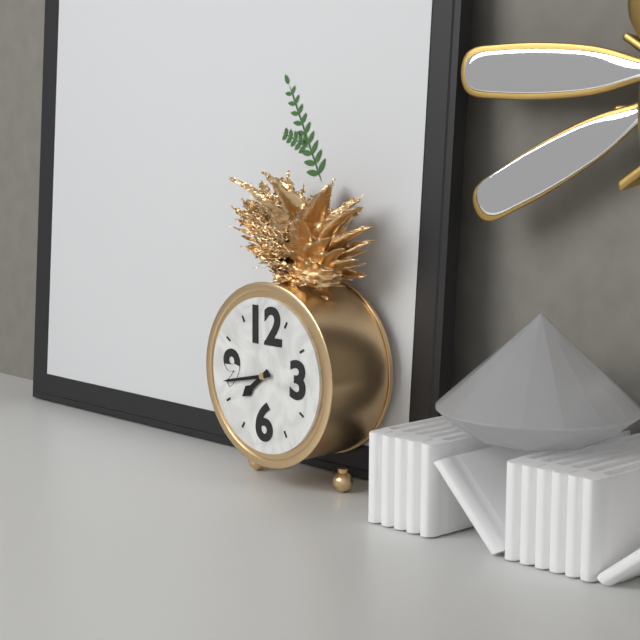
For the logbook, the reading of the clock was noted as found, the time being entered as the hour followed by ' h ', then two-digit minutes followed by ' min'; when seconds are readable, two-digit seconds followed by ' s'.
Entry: 7 h 43 min
